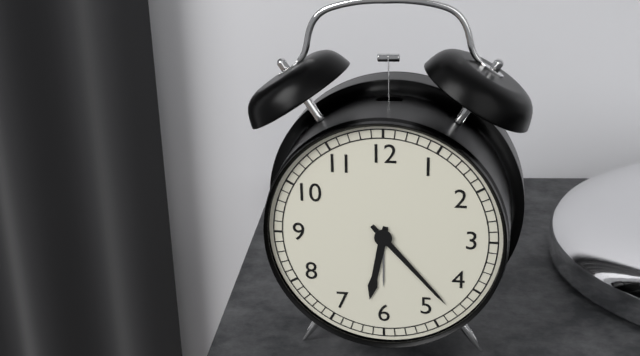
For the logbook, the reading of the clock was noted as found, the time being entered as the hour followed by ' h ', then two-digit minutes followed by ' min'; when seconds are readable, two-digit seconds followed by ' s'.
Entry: 6 h 23 min
